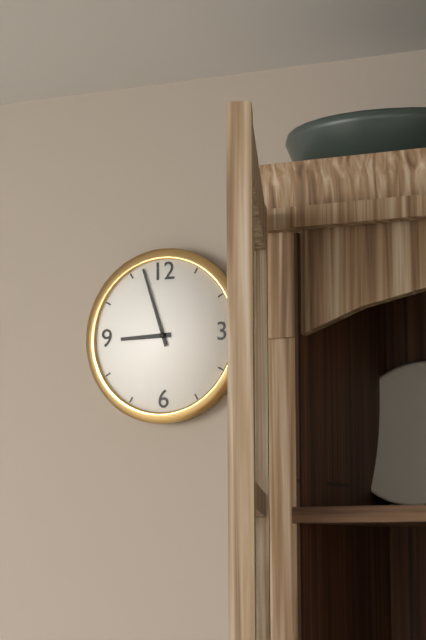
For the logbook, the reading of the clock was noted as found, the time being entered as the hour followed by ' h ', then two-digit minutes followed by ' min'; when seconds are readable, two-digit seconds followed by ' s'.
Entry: 8 h 57 min
